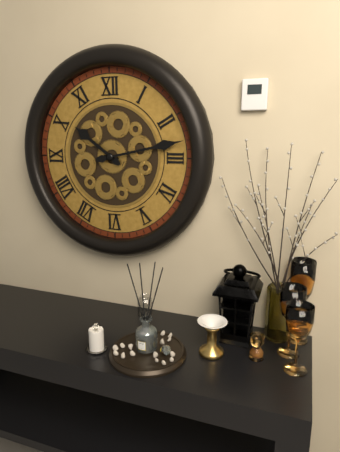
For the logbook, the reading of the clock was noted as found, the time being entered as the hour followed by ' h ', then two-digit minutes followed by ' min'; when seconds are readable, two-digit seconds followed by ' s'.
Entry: 10 h 13 min
